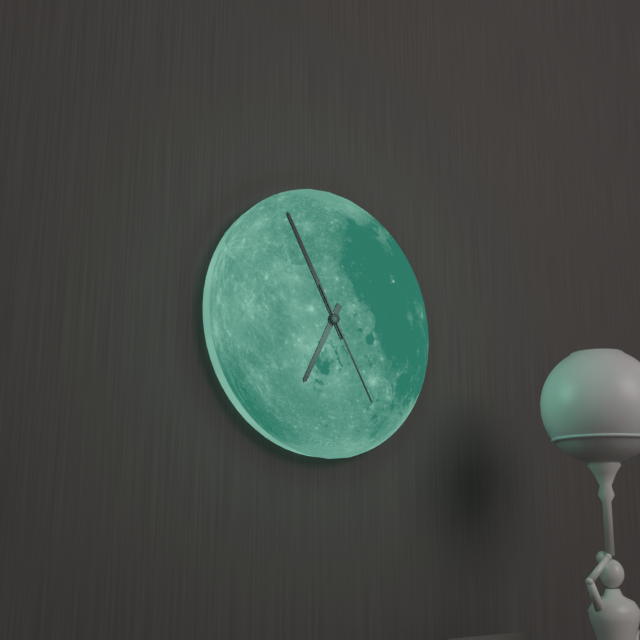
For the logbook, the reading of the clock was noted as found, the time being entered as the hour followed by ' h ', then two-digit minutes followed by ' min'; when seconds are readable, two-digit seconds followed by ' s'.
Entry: 6 h 55 min 25 s
